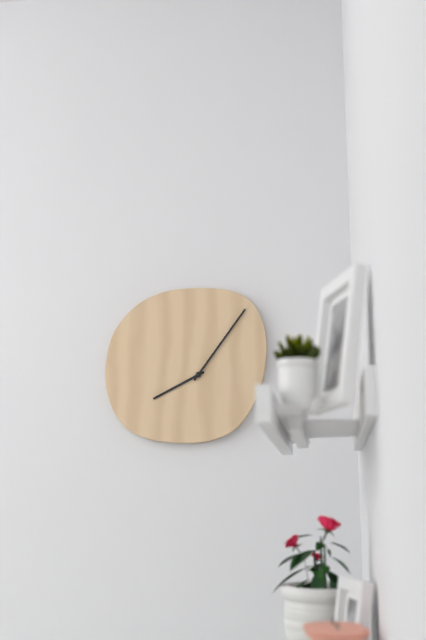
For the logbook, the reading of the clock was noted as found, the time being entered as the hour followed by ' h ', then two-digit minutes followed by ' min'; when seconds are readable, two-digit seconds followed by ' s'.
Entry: 8 h 06 min
